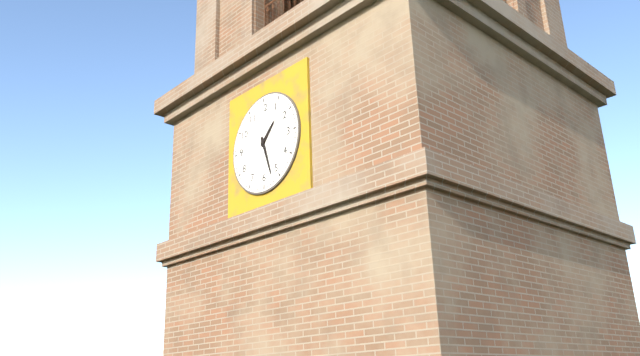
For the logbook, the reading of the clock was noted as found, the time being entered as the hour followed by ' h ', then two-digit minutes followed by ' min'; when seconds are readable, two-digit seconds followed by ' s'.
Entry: 1 h 27 min
